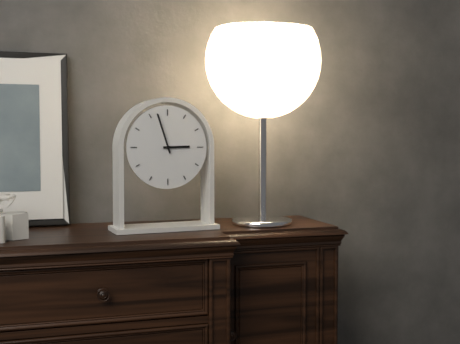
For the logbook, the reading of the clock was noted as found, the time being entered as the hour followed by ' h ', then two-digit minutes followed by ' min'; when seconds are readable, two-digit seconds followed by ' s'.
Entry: 2 h 57 min
